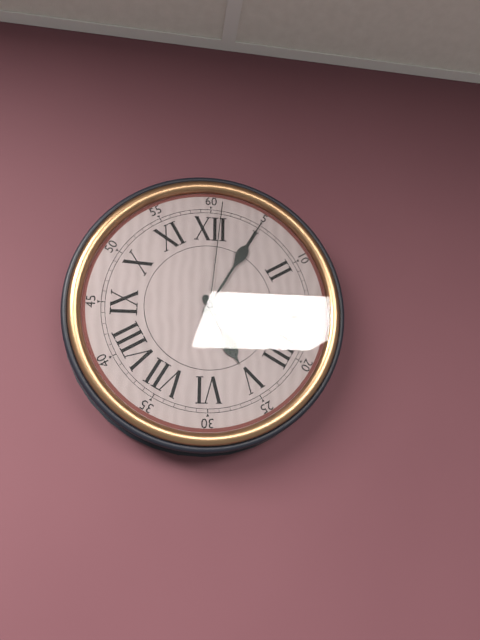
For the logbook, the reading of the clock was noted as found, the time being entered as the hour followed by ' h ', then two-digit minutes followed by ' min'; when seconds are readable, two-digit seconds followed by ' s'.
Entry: 5 h 05 min 01 s
